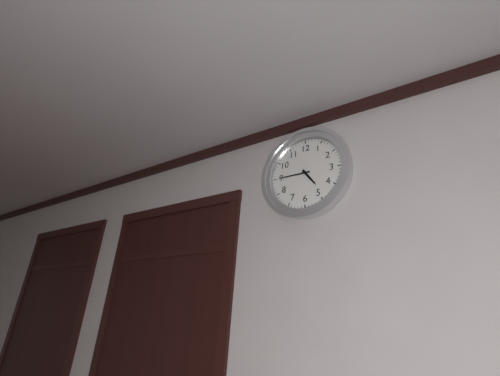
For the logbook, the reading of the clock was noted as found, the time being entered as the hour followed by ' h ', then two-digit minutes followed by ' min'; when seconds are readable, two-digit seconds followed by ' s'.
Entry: 4 h 45 min
